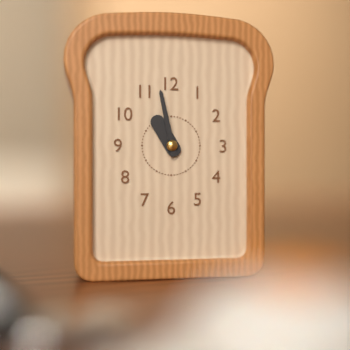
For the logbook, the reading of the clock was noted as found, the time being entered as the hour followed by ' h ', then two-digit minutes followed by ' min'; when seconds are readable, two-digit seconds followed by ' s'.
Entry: 10 h 58 min
